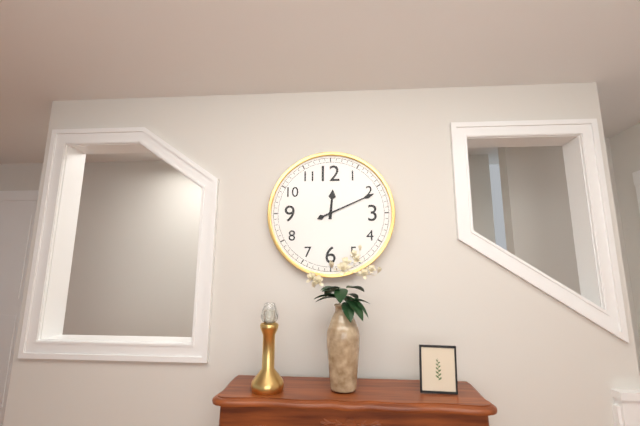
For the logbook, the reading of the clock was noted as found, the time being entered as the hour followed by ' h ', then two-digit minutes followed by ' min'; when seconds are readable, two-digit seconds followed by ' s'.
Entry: 12 h 11 min
